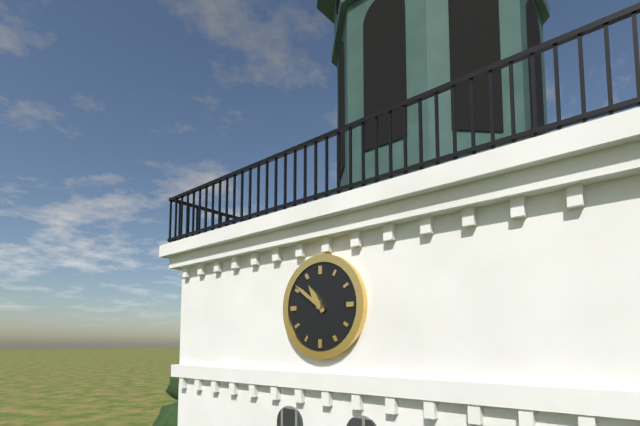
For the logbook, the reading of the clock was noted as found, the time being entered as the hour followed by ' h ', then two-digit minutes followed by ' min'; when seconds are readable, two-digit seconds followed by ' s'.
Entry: 10 h 51 min
